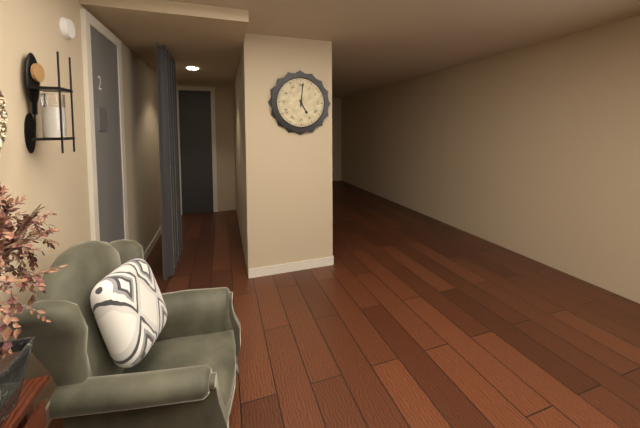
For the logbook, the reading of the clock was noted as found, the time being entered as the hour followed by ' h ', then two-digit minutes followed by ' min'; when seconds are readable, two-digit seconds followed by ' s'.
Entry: 5 h 01 min
